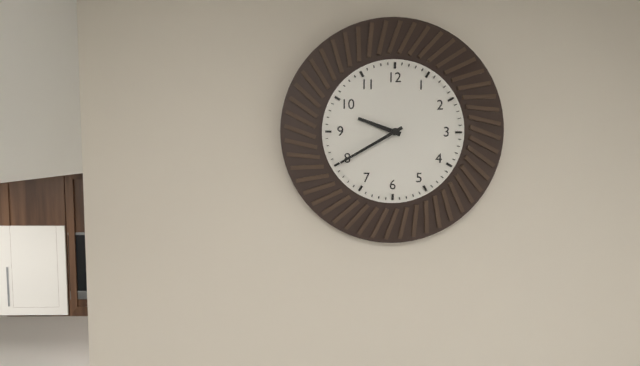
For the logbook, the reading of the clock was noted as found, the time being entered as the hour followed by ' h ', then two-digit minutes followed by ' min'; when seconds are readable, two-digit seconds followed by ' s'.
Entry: 9 h 40 min
